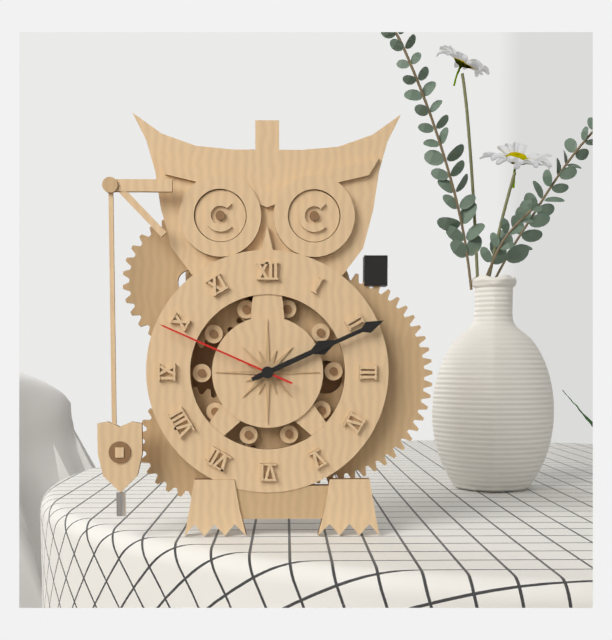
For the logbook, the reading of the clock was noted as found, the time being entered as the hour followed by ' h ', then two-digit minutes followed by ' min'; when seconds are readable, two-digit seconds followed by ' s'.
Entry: 2 h 11 min 49 s
